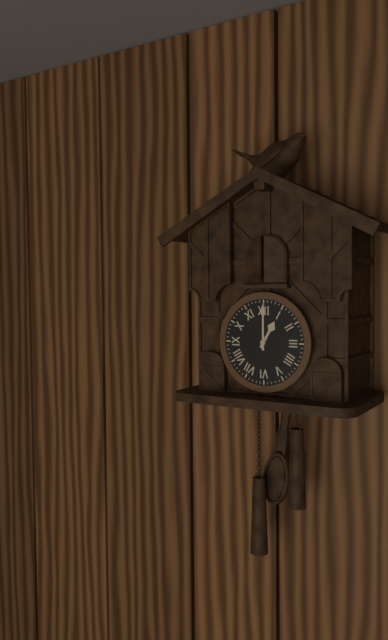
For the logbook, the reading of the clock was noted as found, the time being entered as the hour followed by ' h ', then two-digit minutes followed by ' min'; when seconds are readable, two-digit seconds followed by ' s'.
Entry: 1 h 00 min
